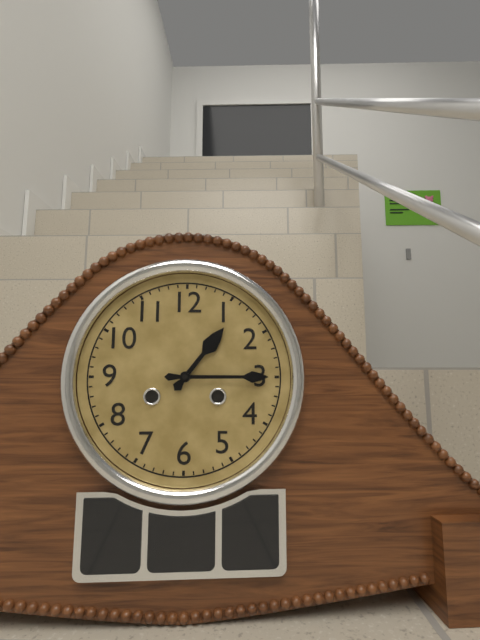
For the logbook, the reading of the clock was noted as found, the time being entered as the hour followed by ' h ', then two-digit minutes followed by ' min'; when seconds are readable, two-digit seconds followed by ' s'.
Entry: 1 h 15 min
